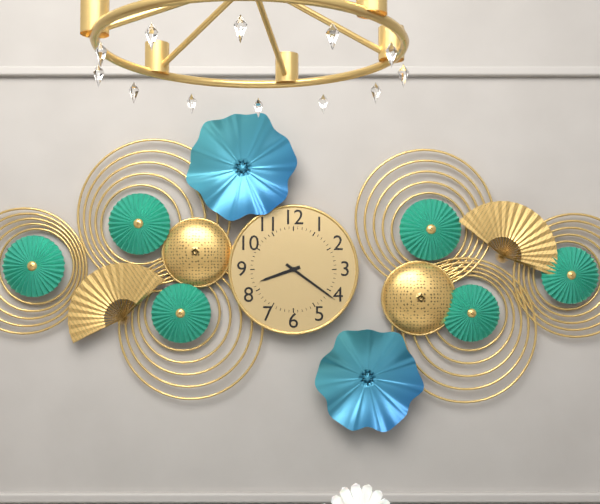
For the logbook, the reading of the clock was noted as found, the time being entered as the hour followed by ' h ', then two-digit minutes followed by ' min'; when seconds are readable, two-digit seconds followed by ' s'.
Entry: 8 h 21 min
